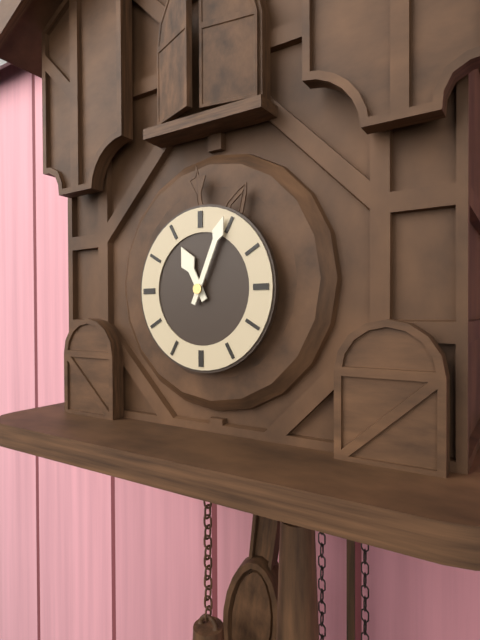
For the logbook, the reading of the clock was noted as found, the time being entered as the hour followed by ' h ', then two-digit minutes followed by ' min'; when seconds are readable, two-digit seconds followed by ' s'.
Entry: 11 h 04 min
